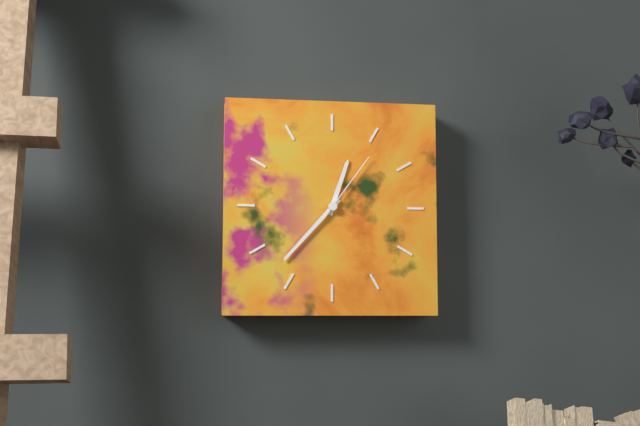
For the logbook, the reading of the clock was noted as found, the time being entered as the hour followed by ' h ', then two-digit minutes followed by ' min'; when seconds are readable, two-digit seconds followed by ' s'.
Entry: 12 h 37 min 06 s
